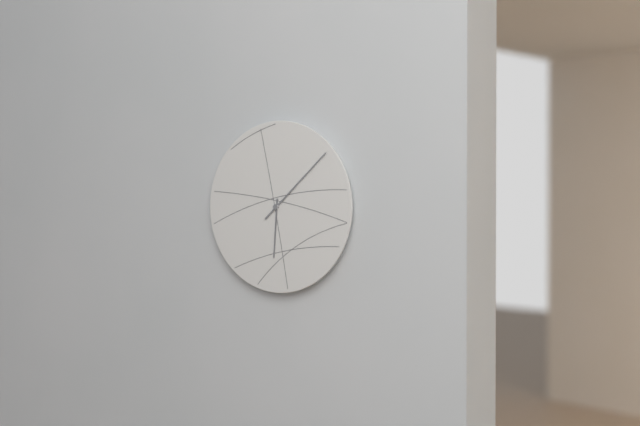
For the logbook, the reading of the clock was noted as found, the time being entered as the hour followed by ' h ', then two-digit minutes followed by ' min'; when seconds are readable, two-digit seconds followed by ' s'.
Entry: 6 h 08 min
